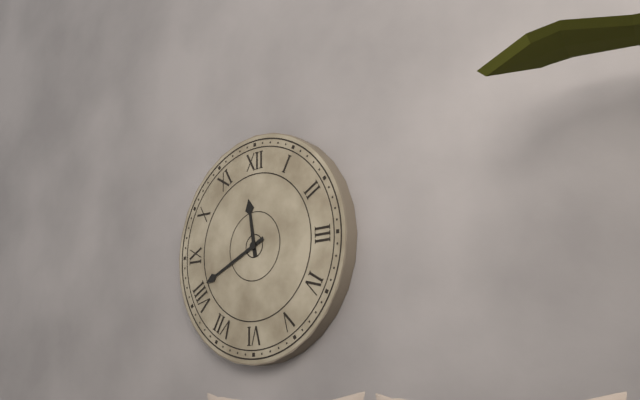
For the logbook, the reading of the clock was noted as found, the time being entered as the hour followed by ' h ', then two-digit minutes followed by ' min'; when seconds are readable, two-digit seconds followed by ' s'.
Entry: 11 h 41 min
